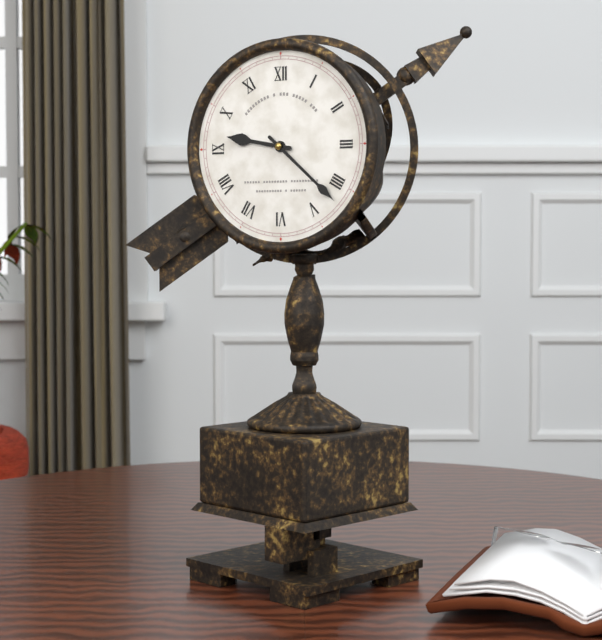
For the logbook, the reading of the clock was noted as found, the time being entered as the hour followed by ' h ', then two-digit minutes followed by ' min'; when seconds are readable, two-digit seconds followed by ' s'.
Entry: 9 h 22 min
